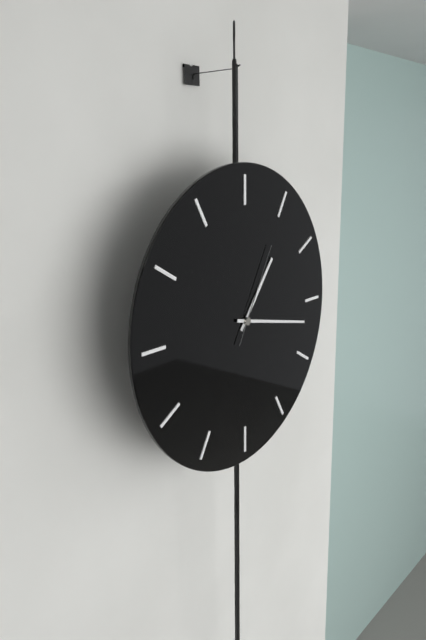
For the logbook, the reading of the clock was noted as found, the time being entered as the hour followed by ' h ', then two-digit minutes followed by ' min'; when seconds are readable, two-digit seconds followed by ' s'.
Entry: 1 h 17 min 05 s
